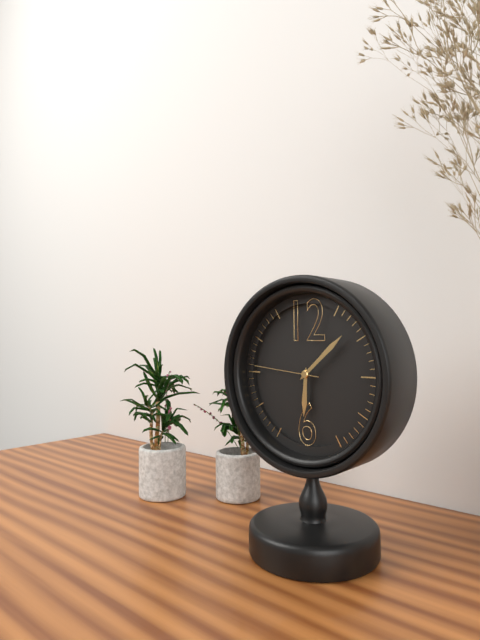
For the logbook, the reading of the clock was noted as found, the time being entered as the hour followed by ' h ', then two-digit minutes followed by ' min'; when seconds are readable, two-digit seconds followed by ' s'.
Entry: 6 h 08 min 46 s
